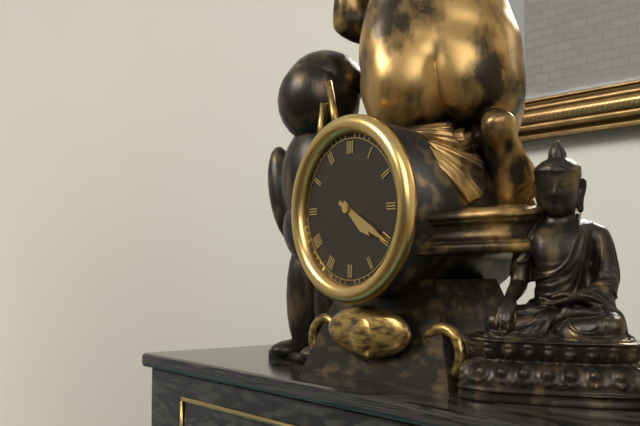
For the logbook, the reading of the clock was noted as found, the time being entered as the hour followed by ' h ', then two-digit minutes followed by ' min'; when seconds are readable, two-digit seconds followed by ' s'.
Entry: 4 h 20 min
